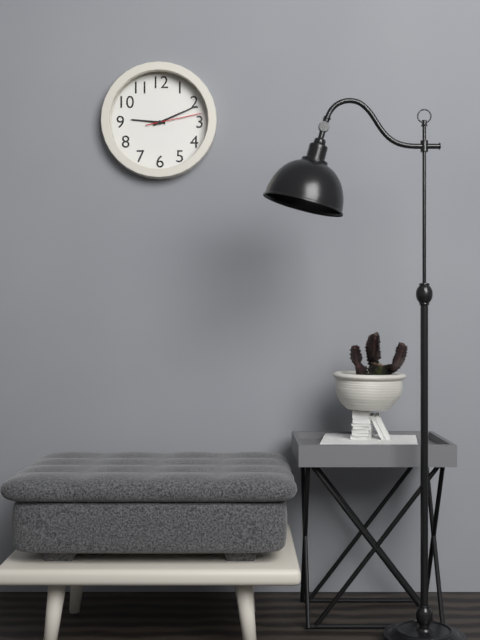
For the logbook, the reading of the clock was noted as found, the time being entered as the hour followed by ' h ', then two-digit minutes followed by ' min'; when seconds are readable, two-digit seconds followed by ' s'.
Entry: 9 h 11 min 13 s
